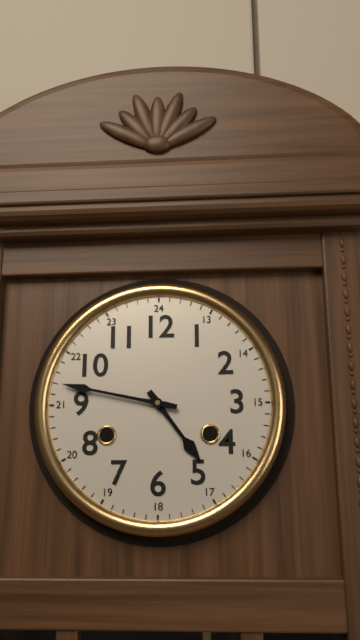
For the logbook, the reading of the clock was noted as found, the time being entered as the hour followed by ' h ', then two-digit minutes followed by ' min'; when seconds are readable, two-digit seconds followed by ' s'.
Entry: 4 h 47 min
